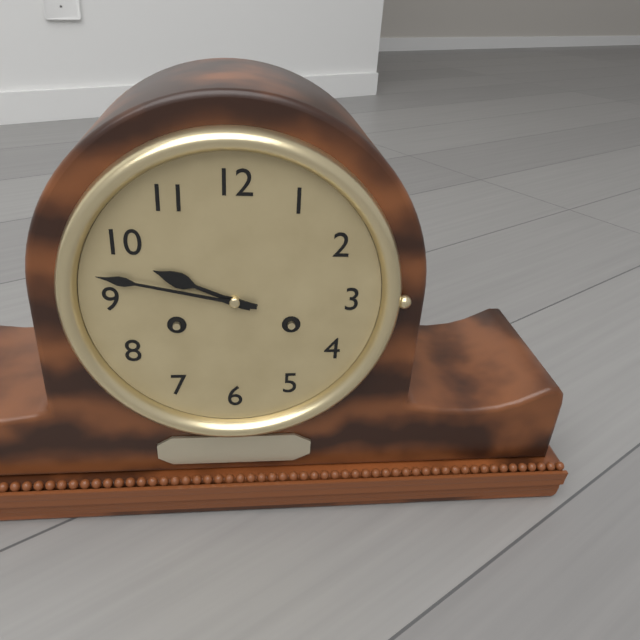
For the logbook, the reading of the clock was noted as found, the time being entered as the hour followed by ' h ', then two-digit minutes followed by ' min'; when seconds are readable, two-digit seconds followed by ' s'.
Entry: 9 h 47 min
